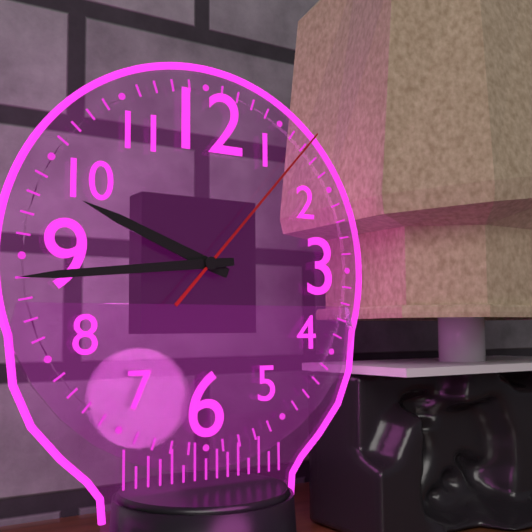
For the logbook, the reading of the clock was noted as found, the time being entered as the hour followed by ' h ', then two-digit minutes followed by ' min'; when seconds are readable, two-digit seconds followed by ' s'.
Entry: 9 h 44 min 07 s
